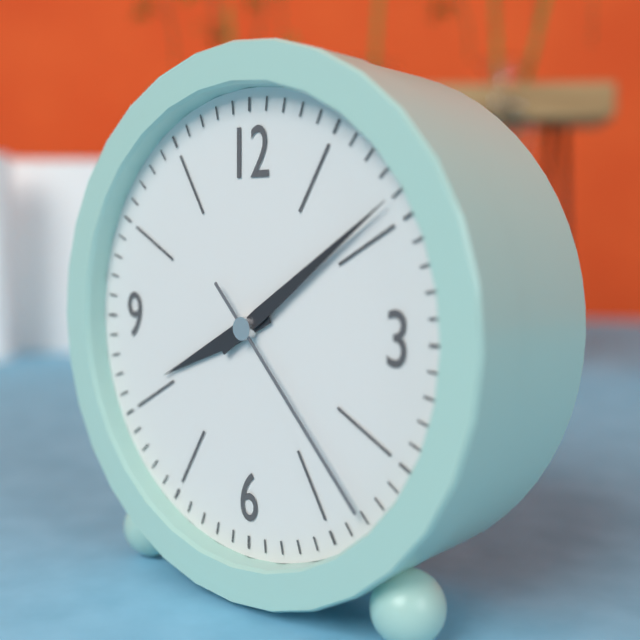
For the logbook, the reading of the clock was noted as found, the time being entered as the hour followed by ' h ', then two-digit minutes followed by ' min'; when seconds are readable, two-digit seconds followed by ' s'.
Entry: 8 h 09 min 23 s
